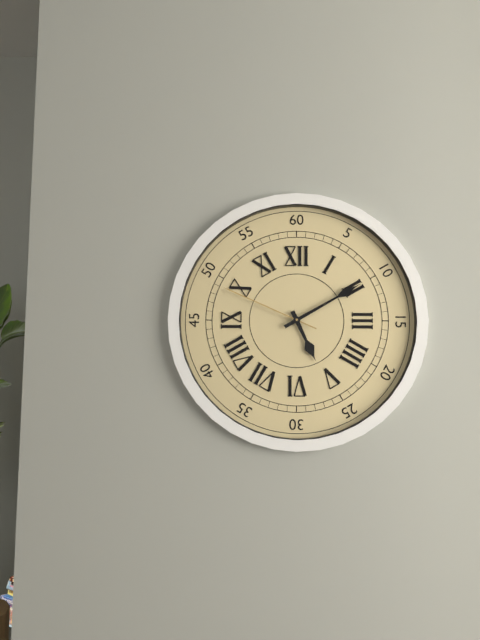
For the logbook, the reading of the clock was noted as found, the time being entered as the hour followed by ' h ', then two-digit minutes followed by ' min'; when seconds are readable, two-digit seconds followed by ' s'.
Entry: 5 h 10 min 49 s
